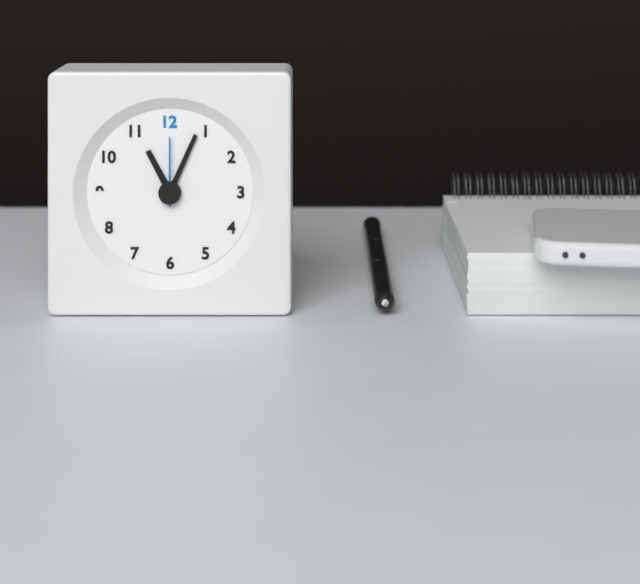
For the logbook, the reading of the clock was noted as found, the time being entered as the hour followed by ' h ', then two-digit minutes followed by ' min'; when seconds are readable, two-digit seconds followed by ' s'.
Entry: 11 h 04 min 00 s
